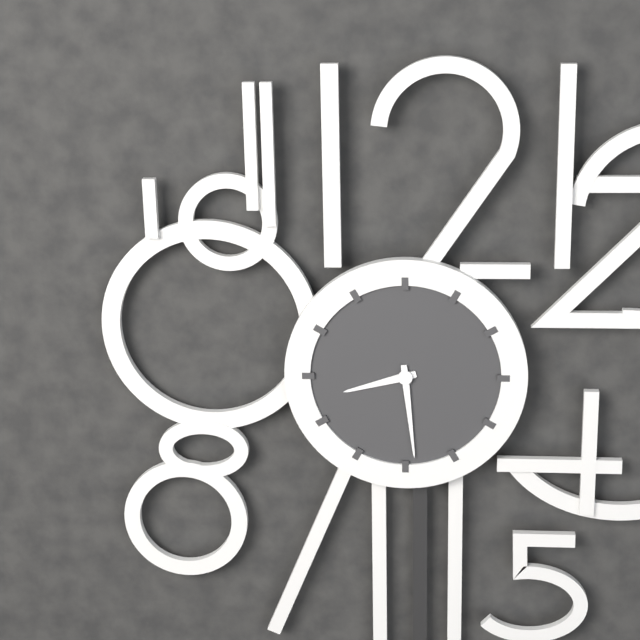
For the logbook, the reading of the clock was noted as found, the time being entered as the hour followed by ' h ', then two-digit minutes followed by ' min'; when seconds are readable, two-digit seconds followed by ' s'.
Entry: 8 h 29 min
